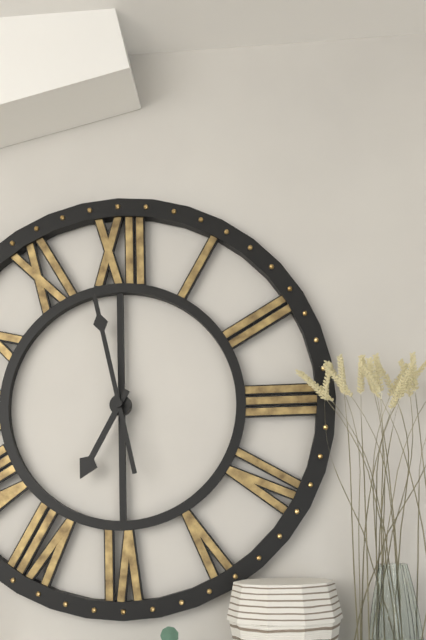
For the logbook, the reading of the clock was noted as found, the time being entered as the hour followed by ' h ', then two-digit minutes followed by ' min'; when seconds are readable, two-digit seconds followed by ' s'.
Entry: 6 h 58 min
